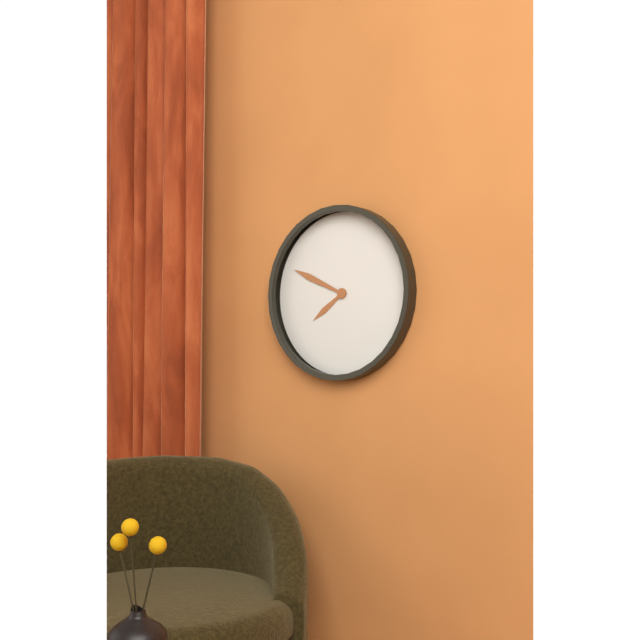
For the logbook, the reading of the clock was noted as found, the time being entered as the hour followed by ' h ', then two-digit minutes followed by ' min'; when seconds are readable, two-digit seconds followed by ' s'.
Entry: 7 h 49 min
